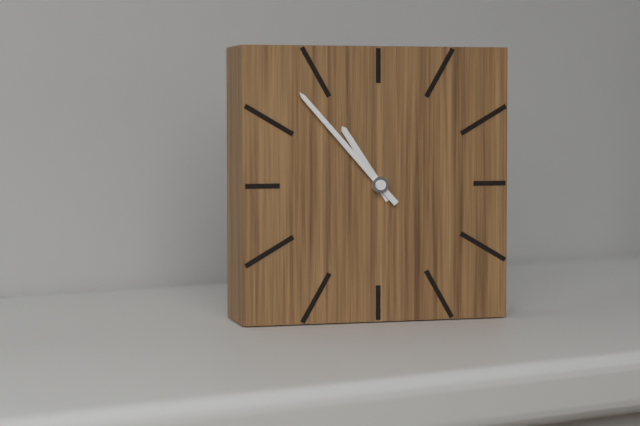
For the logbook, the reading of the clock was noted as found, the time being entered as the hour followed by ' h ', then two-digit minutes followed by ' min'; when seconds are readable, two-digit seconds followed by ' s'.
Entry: 10 h 53 min
